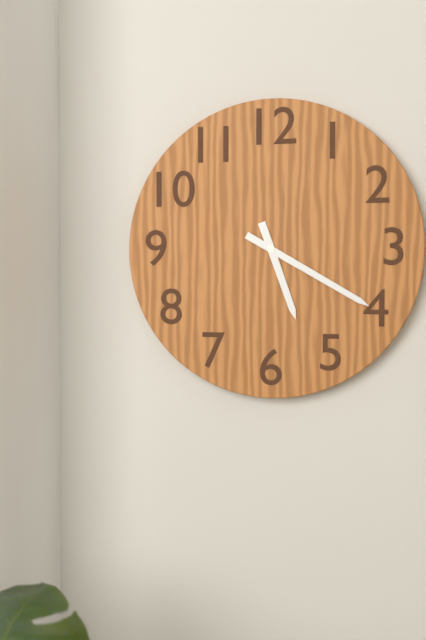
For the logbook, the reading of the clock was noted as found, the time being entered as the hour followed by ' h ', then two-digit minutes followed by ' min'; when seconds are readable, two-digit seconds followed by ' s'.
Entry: 5 h 20 min
